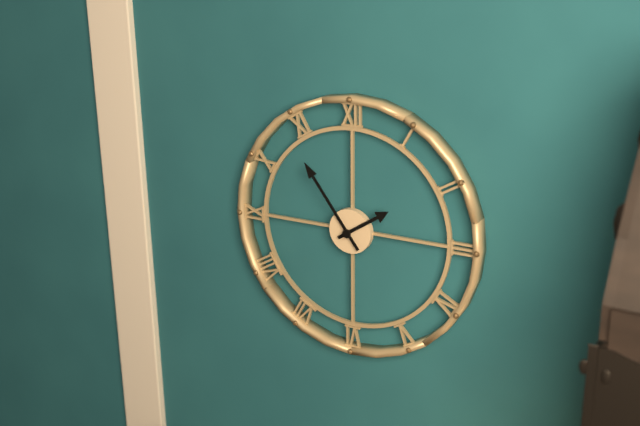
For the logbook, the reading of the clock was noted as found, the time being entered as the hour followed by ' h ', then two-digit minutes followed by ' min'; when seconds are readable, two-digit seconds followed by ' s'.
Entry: 1 h 54 min
